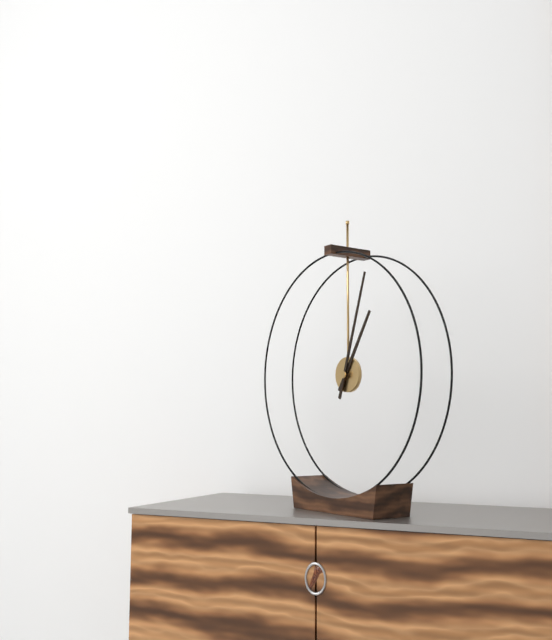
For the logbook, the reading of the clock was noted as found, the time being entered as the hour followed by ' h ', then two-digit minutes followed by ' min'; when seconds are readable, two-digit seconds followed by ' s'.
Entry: 1 h 03 min
